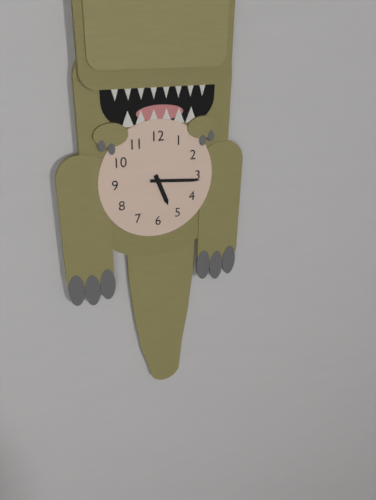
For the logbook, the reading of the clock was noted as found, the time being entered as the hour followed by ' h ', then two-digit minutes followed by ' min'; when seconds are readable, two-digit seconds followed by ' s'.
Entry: 5 h 16 min
